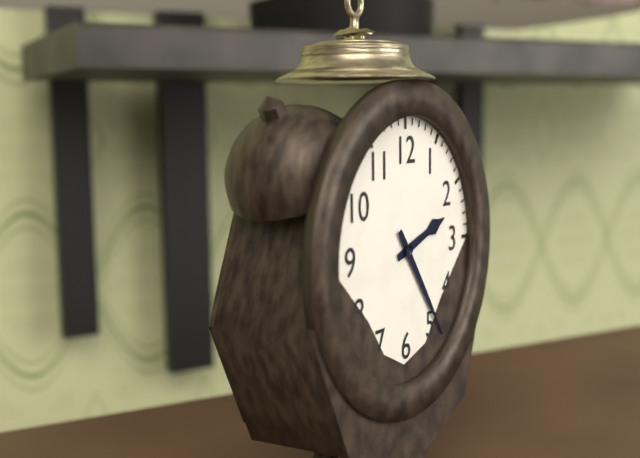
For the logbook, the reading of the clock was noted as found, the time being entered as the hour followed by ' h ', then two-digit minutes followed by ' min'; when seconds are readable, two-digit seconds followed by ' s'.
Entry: 2 h 24 min
